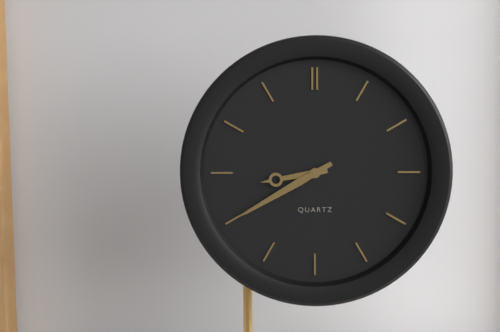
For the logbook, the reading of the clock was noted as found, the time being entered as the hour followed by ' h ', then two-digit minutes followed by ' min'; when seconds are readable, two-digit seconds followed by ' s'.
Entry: 8 h 40 min
